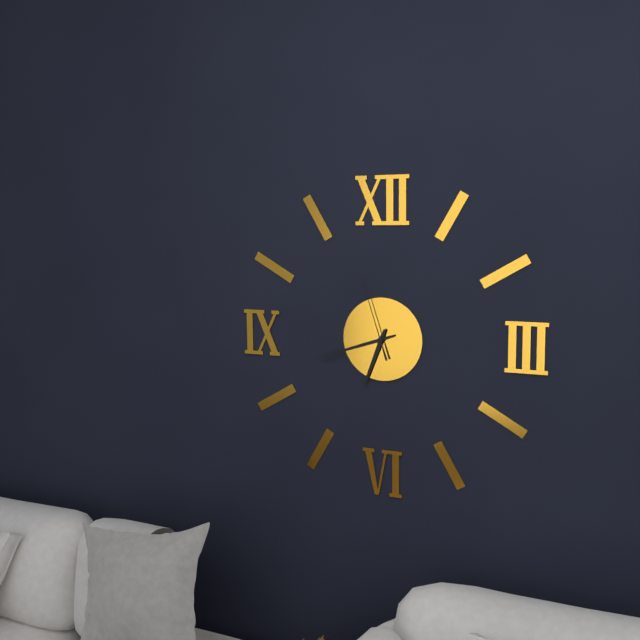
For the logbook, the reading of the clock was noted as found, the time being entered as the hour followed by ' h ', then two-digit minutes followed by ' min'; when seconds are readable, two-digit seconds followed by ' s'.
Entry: 6 h 42 min 57 s
